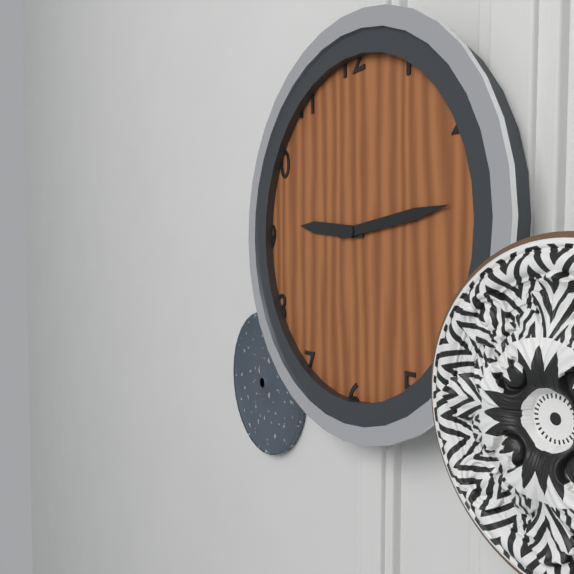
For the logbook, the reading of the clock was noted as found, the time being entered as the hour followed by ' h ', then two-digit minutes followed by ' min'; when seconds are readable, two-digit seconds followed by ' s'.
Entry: 9 h 14 min
